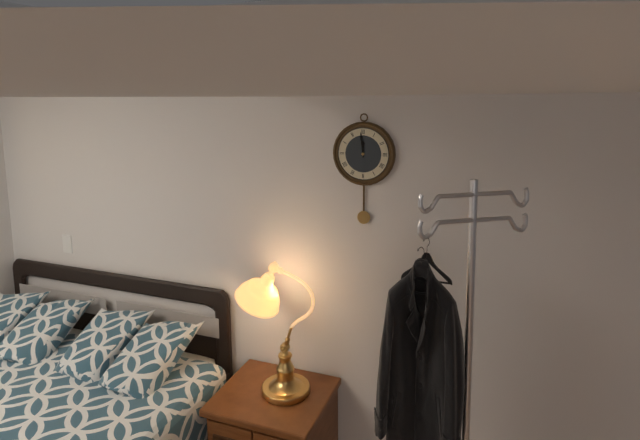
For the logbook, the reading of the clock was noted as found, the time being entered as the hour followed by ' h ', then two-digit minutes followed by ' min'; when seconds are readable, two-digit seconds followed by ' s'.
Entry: 11 h 59 min
